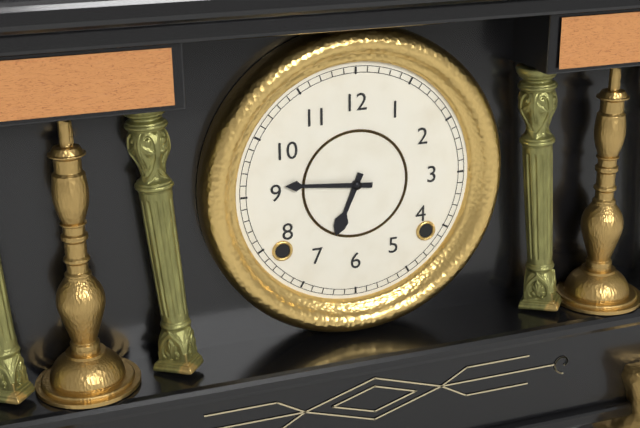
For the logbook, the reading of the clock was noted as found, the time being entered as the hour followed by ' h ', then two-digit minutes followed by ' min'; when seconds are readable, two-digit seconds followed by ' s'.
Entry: 6 h 46 min
